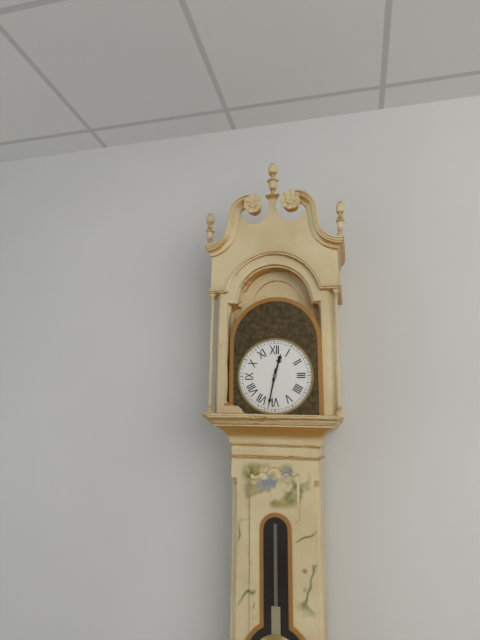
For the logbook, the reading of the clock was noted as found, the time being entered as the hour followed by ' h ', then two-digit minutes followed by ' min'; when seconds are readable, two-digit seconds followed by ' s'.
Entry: 12 h 32 min
